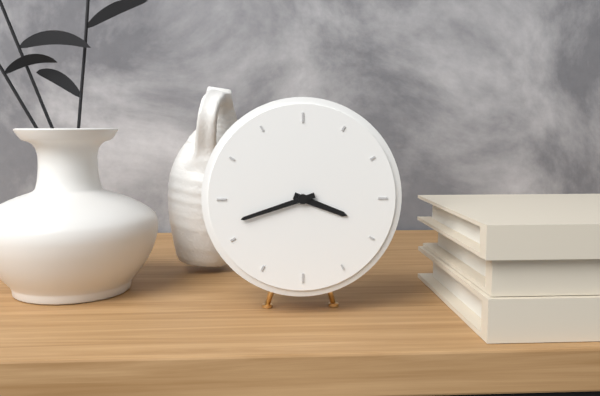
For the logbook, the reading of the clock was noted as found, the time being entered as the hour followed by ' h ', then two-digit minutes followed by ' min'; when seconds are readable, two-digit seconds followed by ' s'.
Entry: 3 h 42 min
